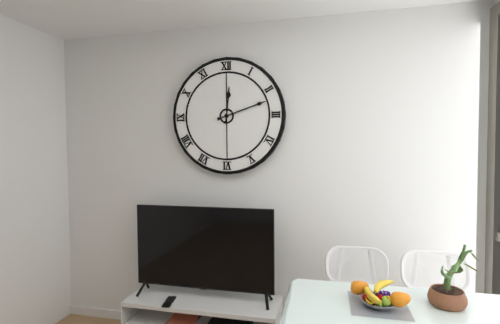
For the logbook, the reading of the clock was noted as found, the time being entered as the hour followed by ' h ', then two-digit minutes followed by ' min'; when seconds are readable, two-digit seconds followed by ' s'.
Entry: 12 h 12 min
